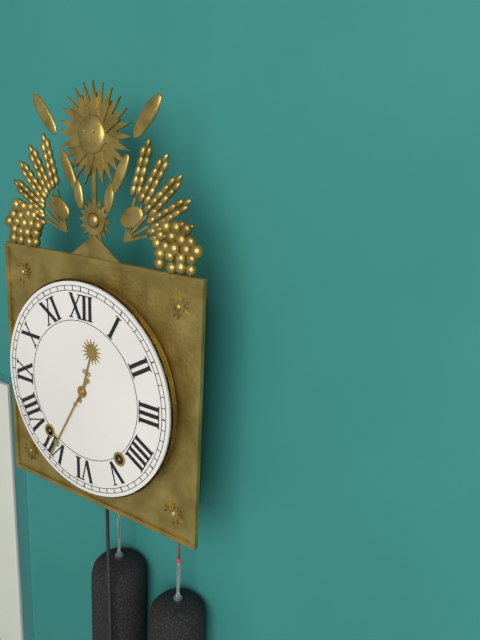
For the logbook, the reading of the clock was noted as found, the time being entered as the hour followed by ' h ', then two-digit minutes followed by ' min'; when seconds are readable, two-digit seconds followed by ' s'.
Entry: 12 h 35 min
